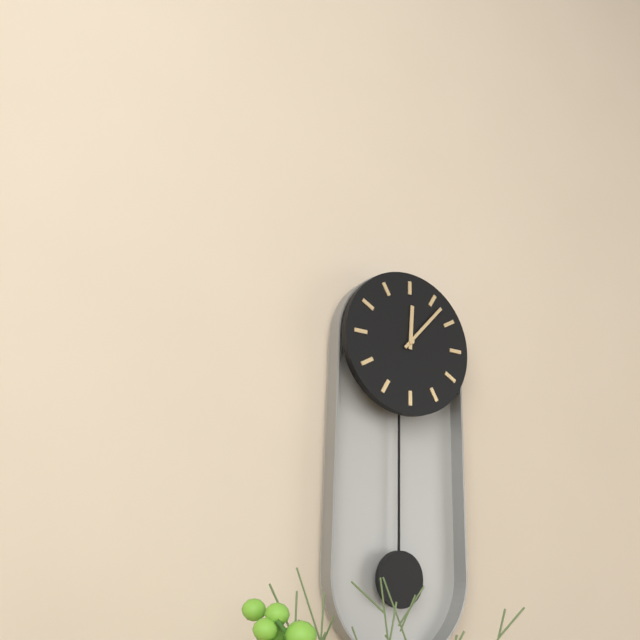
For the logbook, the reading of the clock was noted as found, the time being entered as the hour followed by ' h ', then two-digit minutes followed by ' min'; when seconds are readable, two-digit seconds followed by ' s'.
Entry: 12 h 07 min
